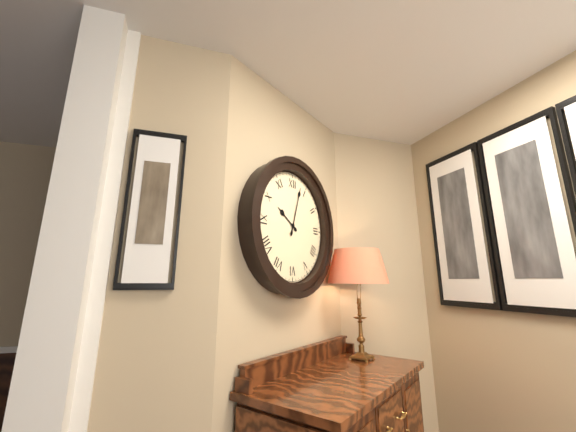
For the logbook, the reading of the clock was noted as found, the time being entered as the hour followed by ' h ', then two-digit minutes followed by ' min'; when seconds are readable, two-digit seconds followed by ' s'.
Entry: 10 h 03 min
